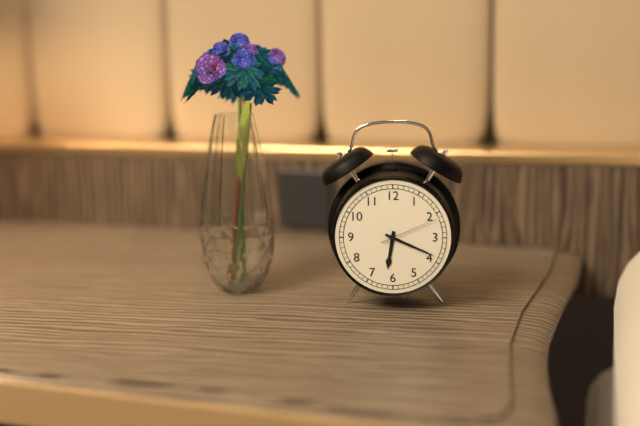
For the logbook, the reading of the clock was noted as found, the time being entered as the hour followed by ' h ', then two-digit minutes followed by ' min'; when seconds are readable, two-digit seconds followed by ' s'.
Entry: 6 h 19 min 11 s
